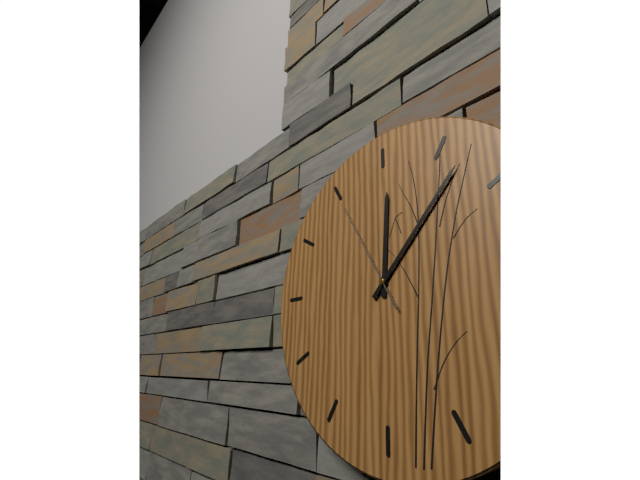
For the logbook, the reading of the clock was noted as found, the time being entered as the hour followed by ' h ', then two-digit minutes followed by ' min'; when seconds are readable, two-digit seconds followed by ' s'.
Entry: 12 h 07 min 55 s
